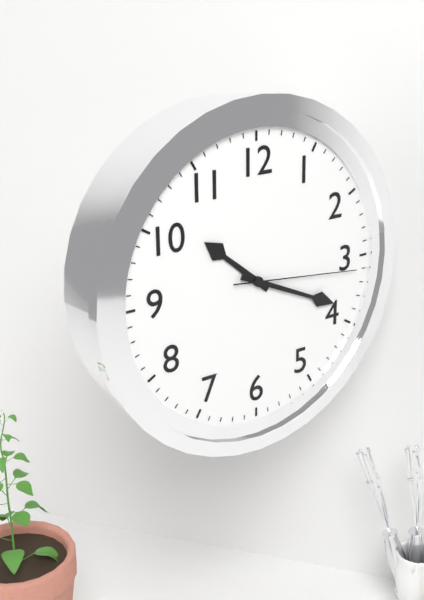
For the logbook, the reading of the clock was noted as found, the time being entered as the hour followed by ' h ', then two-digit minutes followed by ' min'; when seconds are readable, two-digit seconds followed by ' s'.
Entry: 10 h 19 min 16 s
